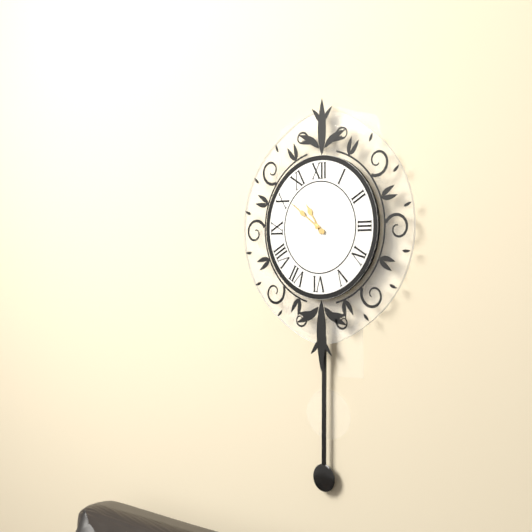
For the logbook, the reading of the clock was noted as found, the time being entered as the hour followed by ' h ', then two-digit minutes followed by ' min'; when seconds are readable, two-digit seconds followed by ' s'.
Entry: 10 h 51 min
